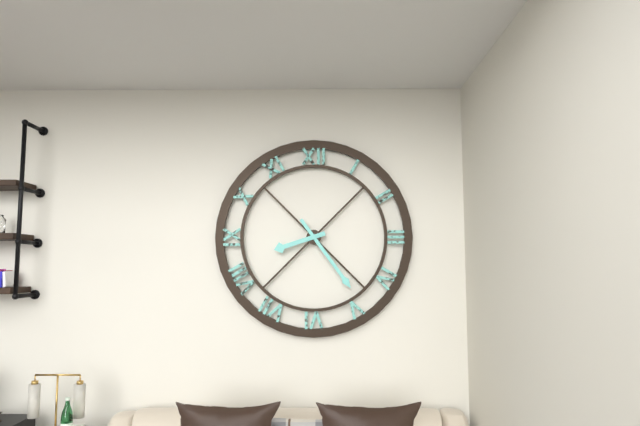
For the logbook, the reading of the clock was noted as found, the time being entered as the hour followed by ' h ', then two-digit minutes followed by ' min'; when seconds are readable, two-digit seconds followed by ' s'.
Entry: 8 h 24 min
